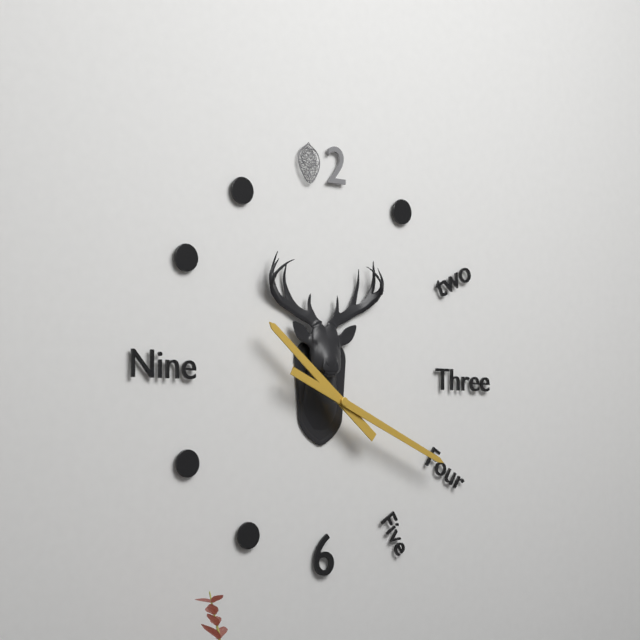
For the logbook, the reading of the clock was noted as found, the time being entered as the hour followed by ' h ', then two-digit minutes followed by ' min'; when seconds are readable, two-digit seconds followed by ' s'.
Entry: 10 h 19 min
